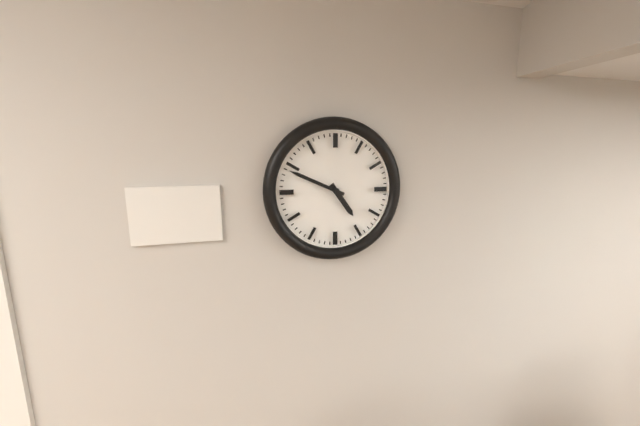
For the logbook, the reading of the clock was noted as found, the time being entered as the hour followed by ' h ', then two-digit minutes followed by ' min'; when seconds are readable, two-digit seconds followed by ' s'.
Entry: 4 h 49 min
